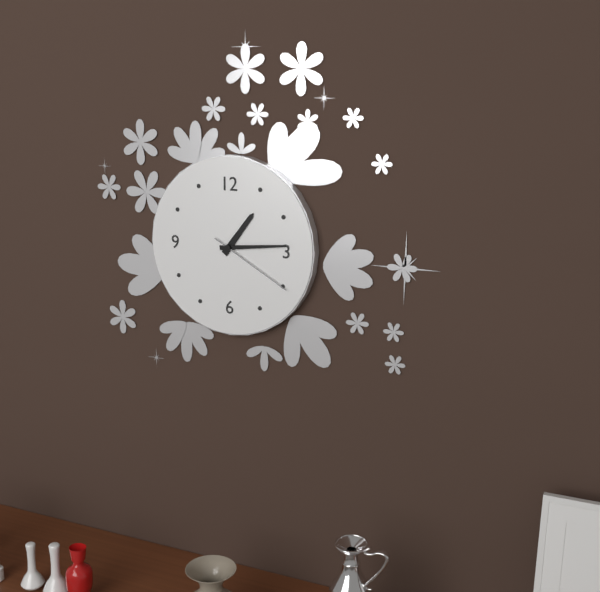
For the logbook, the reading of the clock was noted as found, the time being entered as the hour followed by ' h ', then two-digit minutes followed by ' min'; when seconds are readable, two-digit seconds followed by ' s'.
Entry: 1 h 14 min 20 s
